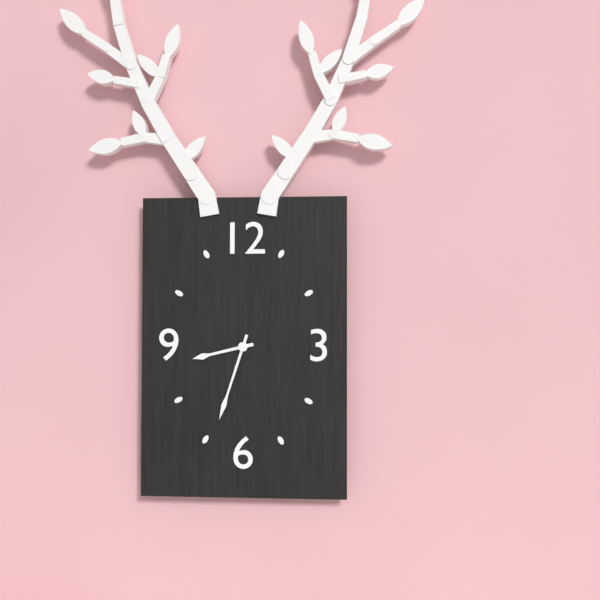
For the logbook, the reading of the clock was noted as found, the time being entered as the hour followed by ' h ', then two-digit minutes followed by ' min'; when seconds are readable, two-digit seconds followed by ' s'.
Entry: 8 h 33 min
